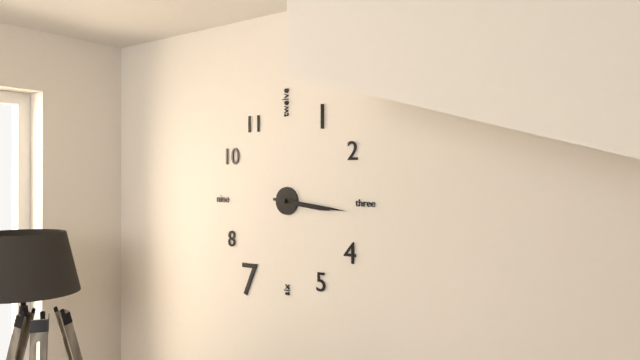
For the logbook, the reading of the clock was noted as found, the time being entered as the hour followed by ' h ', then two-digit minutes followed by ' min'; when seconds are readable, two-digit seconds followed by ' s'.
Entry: 3 h 16 min
